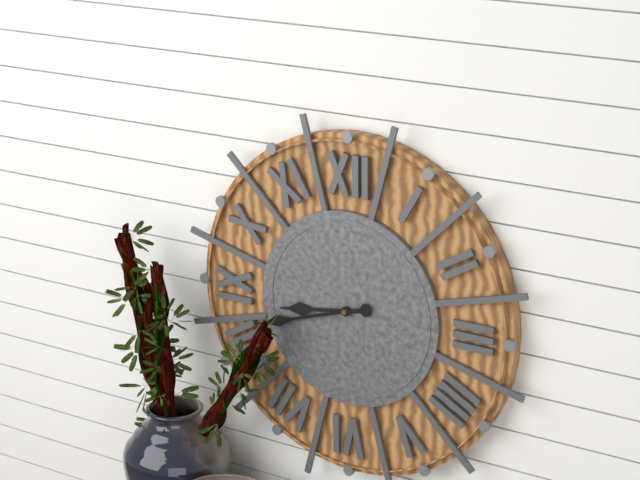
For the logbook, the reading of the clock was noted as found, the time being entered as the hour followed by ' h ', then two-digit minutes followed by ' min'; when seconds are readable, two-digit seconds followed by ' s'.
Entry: 8 h 42 min
